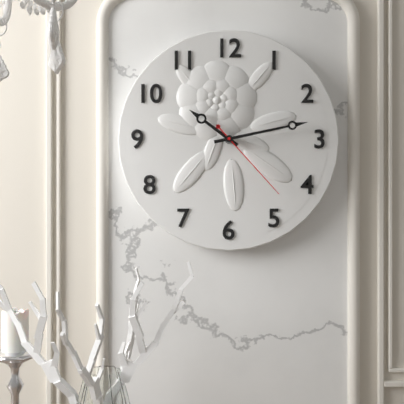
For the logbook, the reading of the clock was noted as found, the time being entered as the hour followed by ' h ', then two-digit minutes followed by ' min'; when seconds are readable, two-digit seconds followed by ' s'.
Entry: 10 h 13 min 23 s
